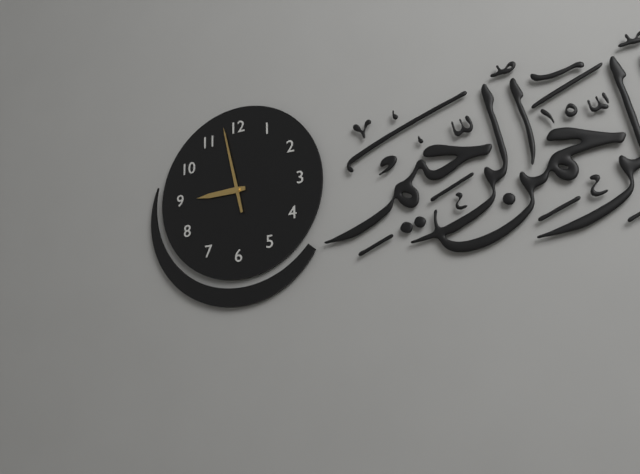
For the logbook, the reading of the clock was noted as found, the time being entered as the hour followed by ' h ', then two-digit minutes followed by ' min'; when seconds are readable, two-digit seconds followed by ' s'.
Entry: 8 h 58 min
